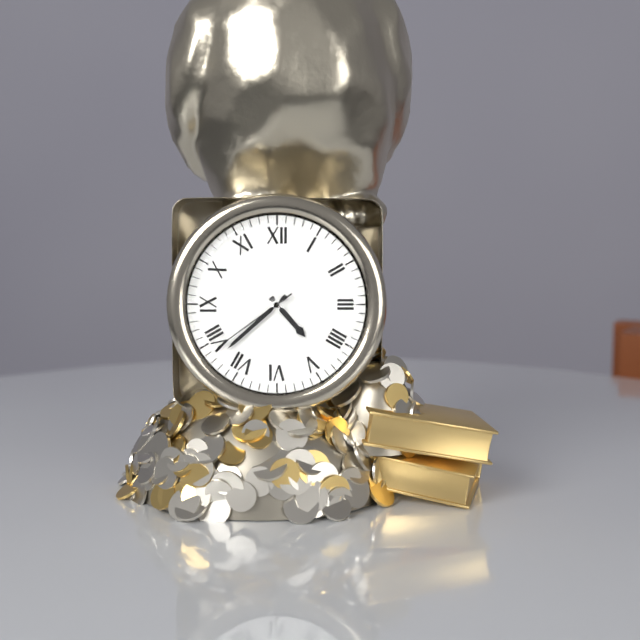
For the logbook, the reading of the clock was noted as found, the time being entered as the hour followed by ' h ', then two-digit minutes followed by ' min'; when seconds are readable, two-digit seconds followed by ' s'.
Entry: 4 h 38 min 39 s
